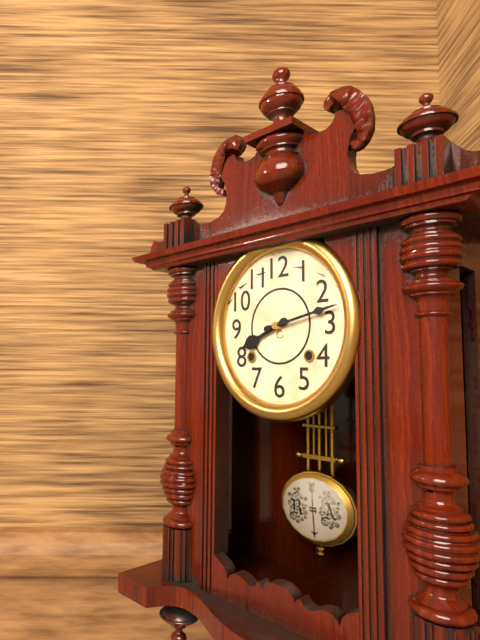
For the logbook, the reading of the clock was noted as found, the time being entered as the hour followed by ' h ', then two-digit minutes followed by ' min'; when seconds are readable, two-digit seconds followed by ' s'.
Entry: 8 h 13 min
